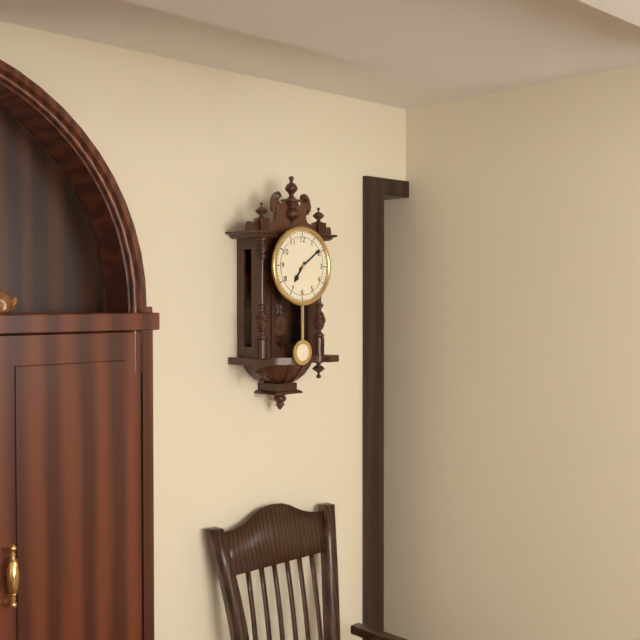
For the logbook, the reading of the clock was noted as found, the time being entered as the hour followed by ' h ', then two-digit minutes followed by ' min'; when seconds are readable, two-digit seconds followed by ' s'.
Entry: 7 h 09 min
